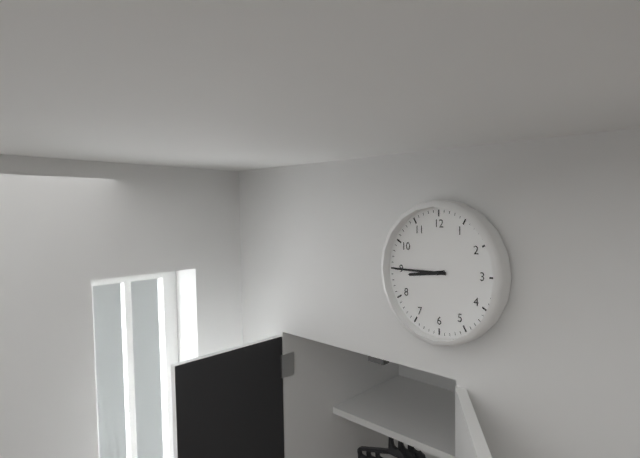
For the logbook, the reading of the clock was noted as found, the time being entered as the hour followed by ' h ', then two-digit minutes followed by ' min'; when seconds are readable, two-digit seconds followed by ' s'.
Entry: 8 h 45 min
